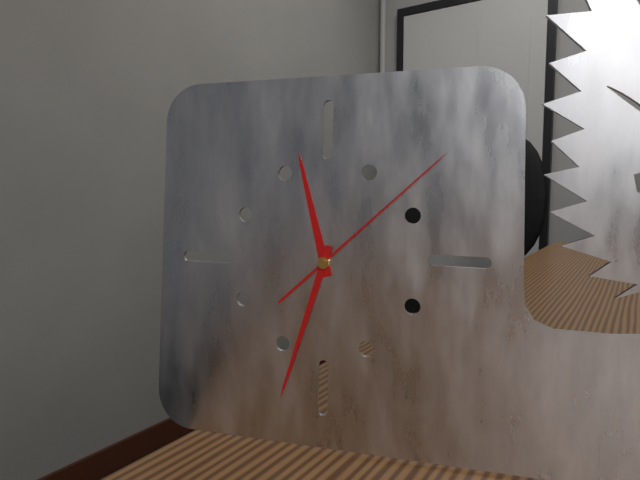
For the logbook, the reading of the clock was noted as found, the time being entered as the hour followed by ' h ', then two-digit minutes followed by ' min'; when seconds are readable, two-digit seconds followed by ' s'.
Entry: 11 h 33 min 08 s
